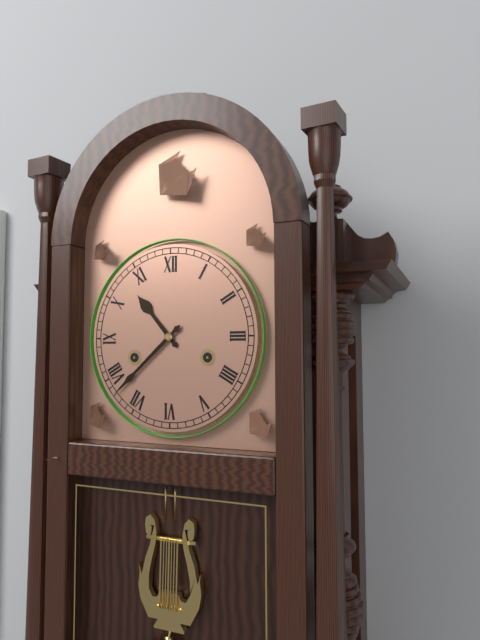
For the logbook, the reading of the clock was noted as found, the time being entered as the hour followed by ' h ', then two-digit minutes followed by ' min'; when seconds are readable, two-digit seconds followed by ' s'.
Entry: 10 h 38 min
